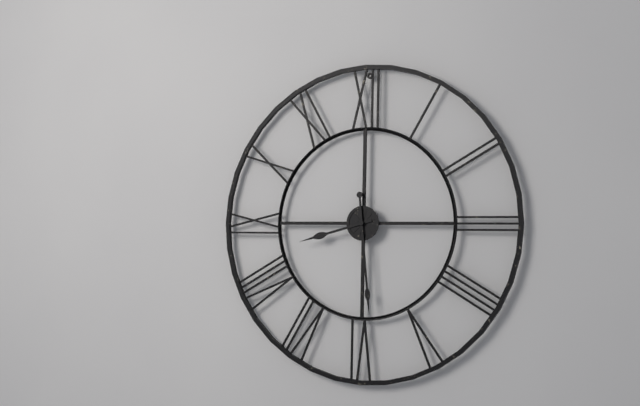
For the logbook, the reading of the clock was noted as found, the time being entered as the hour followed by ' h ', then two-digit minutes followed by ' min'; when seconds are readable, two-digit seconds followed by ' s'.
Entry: 8 h 29 min
